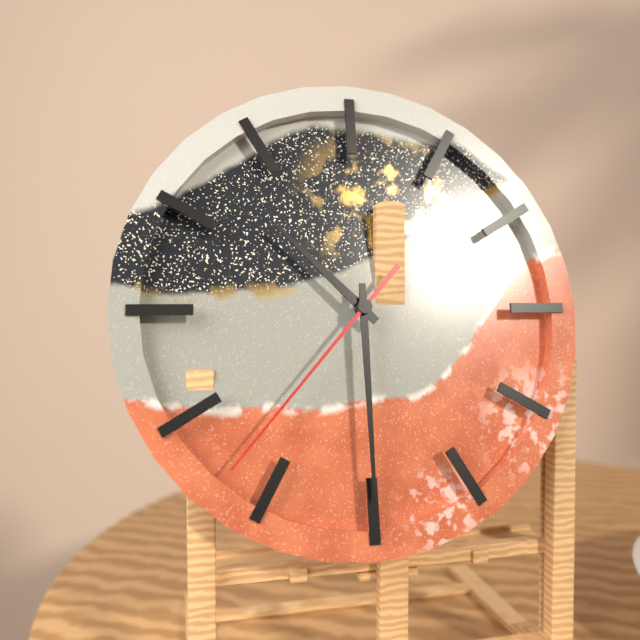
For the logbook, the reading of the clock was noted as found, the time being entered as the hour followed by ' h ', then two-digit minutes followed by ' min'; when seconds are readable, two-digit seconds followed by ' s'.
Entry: 10 h 30 min 37 s
